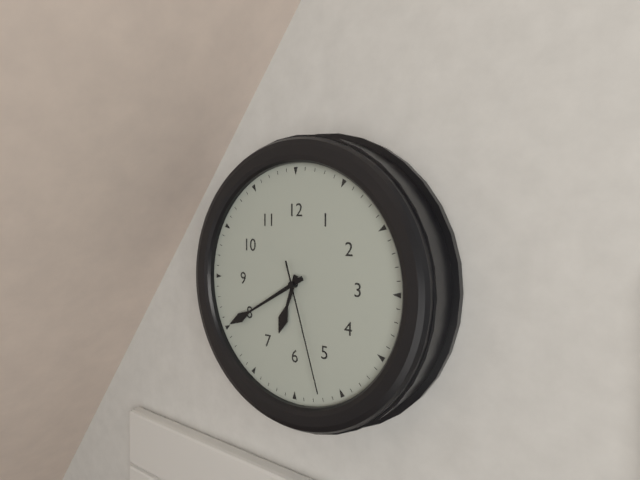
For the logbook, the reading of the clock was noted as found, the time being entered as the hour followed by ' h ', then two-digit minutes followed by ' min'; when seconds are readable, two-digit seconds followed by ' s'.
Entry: 6 h 40 min 27 s
